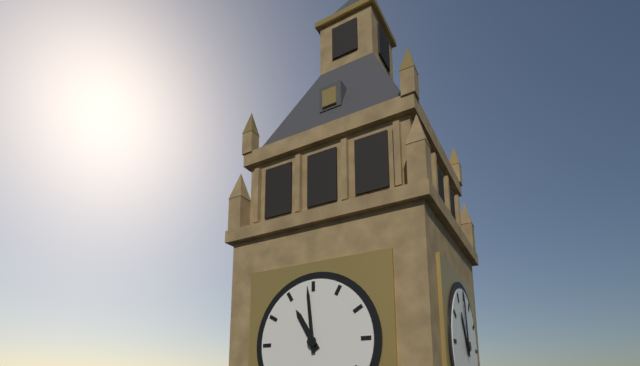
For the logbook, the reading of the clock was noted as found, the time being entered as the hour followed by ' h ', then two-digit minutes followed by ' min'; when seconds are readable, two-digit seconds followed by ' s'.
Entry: 10 h 59 min
